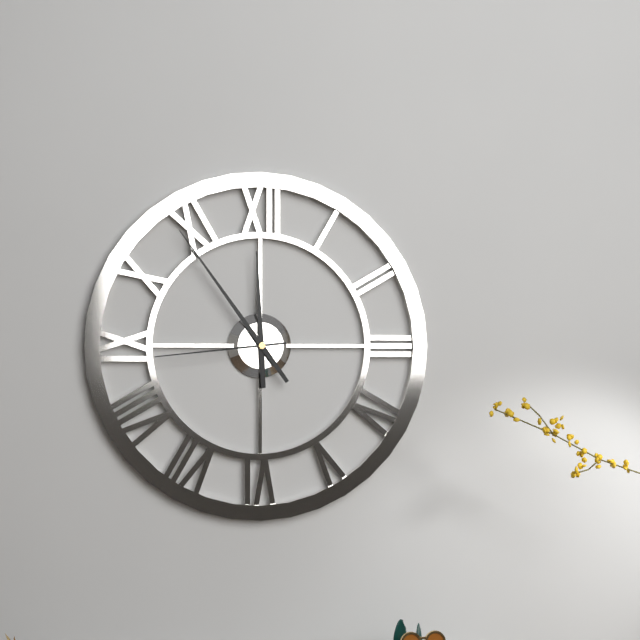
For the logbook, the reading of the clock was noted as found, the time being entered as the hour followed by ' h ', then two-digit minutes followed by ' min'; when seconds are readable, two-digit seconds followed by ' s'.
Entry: 11 h 54 min 44 s
